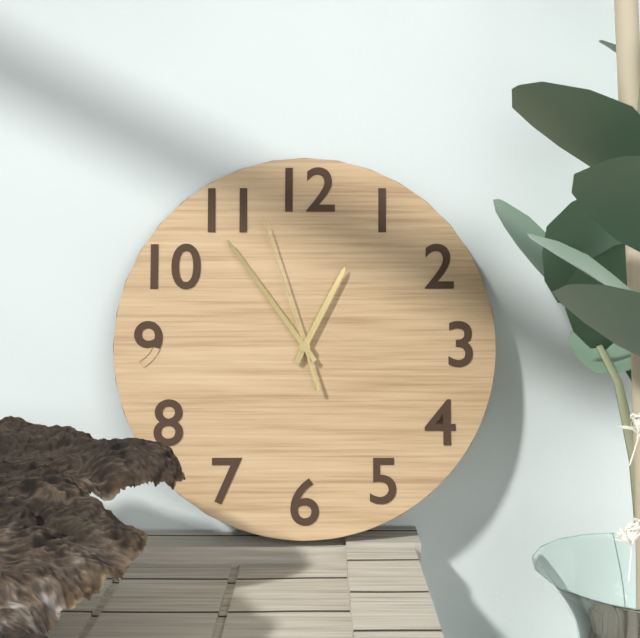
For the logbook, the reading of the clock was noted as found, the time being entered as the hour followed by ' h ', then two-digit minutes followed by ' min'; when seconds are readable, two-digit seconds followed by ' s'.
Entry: 12 h 54 min 57 s
